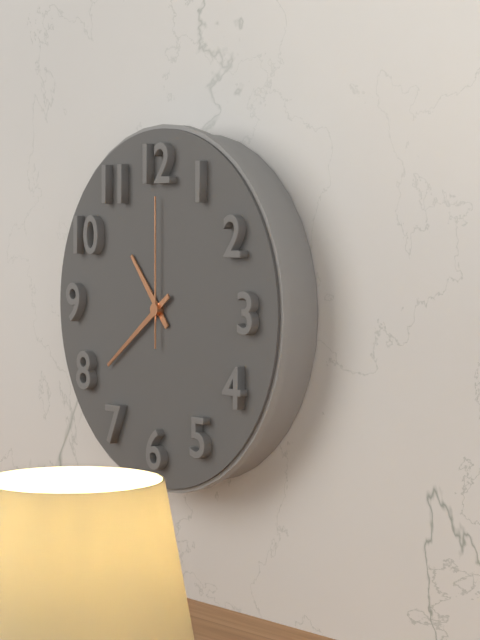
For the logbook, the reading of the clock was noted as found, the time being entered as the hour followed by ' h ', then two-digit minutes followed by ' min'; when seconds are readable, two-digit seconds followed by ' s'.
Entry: 10 h 39 min 00 s
